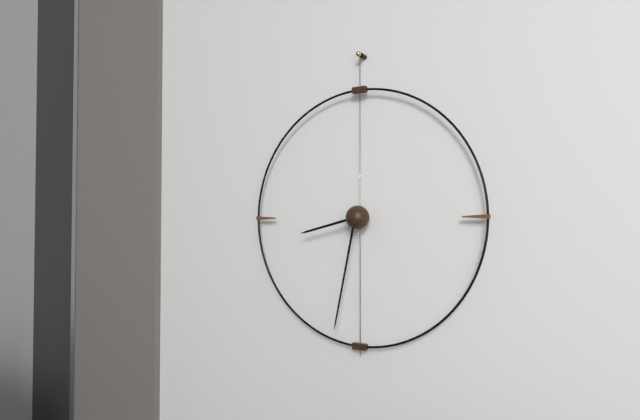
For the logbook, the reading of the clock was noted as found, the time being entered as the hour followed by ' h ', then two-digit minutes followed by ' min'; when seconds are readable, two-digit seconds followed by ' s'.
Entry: 8 h 32 min
